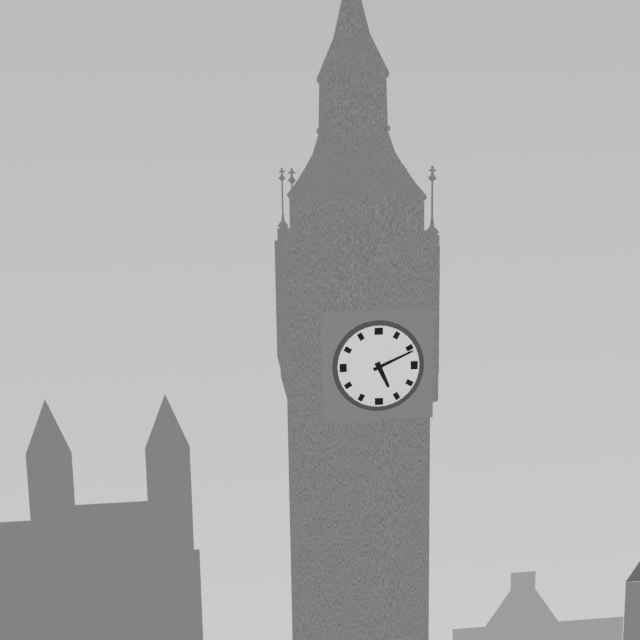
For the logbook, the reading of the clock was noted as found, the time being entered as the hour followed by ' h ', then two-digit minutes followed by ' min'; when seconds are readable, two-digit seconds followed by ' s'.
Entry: 5 h 11 min
